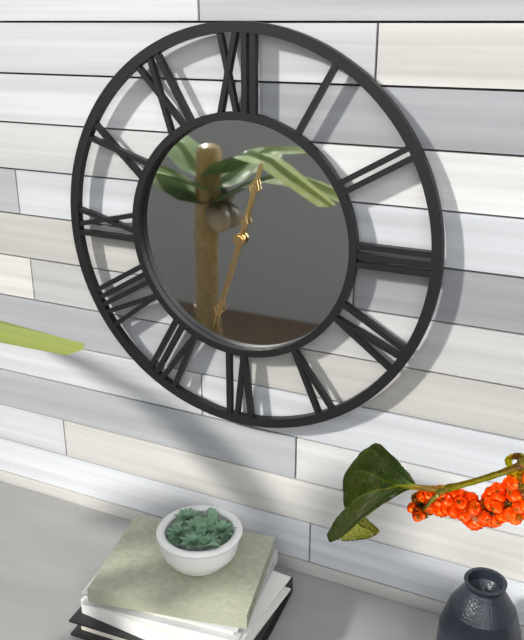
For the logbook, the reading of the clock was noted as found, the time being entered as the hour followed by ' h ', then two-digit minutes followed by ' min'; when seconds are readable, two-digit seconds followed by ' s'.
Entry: 12 h 33 min
